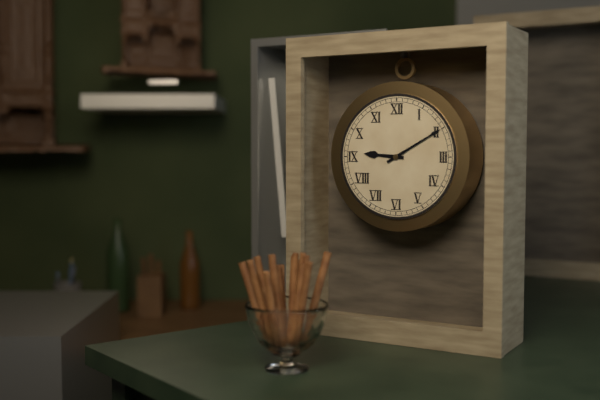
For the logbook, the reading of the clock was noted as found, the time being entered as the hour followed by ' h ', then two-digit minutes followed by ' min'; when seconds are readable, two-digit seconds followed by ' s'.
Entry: 9 h 10 min
